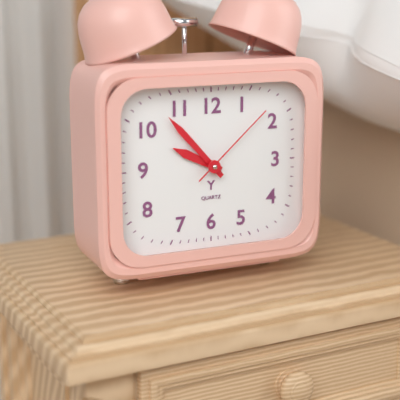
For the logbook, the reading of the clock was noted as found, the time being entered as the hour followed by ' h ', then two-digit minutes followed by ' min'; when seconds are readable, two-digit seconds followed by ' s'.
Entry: 9 h 53 min 08 s
